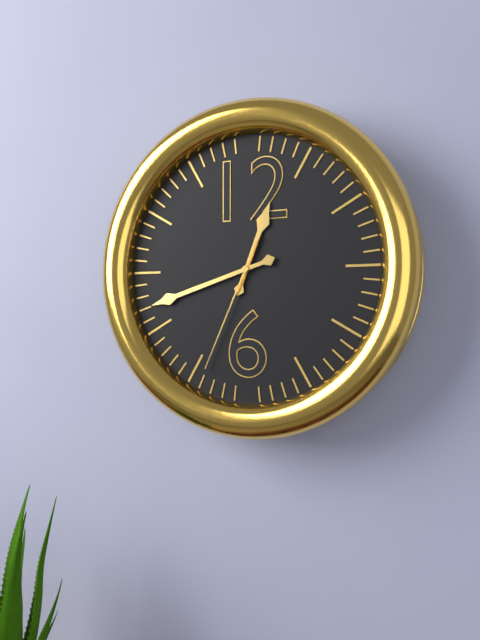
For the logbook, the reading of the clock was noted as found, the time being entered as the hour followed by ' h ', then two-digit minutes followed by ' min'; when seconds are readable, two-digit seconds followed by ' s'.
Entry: 12 h 42 min 34 s
